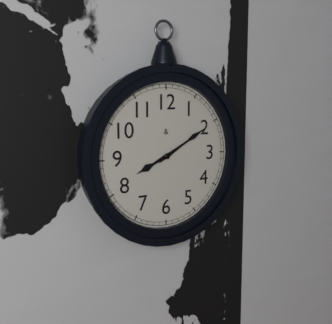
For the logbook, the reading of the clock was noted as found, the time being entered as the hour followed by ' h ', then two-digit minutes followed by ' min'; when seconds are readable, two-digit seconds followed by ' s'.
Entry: 8 h 10 min
